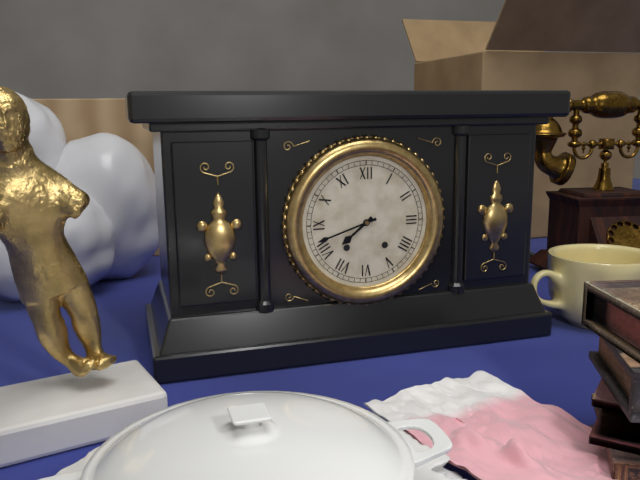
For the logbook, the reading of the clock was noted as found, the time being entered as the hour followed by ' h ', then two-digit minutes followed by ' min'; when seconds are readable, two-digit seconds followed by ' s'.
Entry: 7 h 42 min
